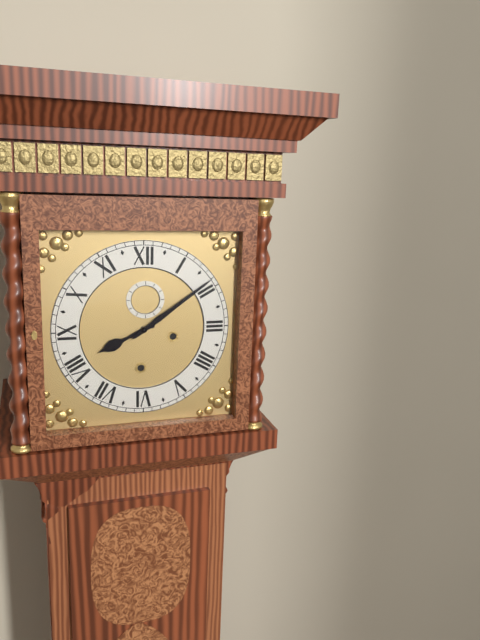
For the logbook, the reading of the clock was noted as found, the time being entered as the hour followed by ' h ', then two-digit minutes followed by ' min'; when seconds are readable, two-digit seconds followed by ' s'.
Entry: 8 h 09 min
